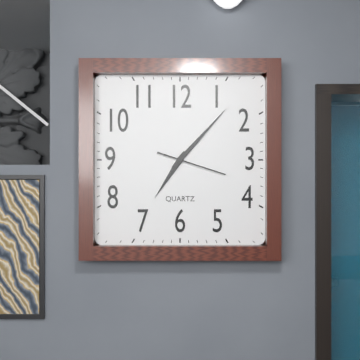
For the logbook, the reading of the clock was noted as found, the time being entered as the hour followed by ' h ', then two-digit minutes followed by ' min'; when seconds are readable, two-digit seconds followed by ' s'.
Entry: 7 h 07 min 18 s
